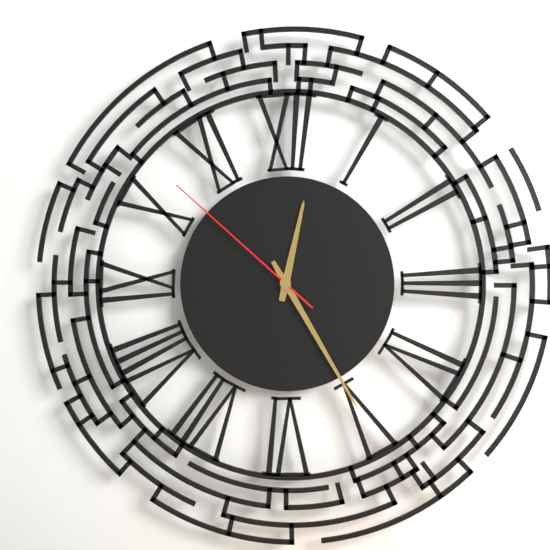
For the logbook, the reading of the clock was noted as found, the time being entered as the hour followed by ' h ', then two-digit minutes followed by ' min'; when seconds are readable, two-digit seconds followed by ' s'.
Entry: 12 h 25 min 52 s
